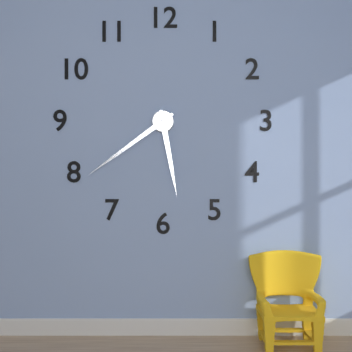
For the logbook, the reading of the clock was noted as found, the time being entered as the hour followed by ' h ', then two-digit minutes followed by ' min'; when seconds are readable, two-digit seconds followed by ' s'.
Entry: 5 h 39 min
